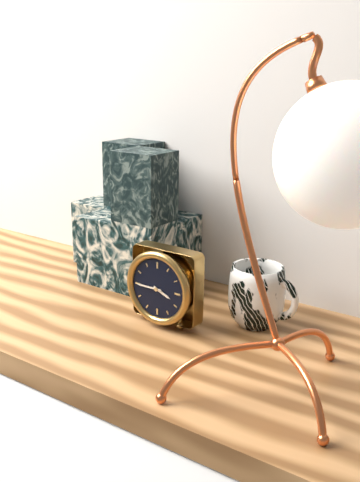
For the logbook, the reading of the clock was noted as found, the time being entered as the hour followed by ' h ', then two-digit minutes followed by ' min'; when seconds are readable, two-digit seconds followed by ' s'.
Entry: 3 h 45 min
